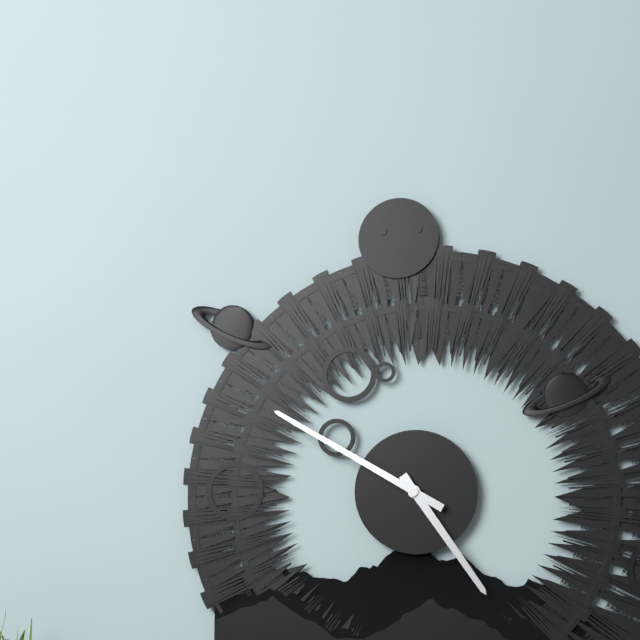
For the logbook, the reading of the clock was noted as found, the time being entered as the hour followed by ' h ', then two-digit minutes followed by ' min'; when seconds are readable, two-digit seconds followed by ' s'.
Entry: 4 h 50 min
